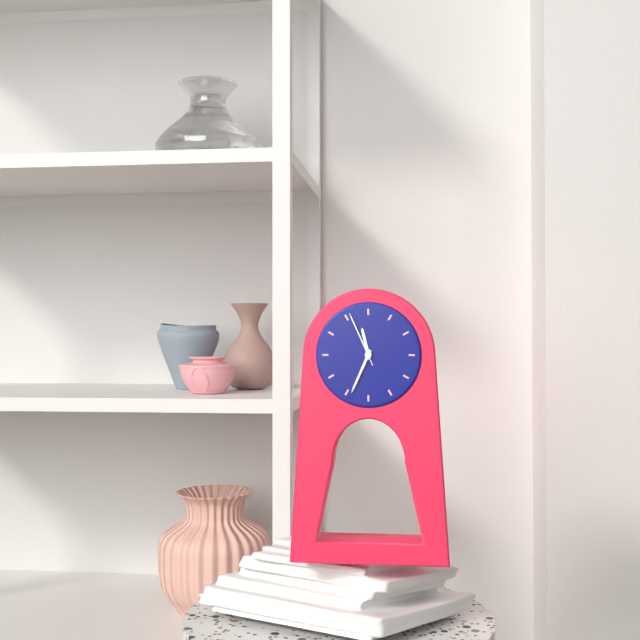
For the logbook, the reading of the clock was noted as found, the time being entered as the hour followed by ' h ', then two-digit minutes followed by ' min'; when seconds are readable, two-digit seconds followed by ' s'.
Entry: 11 h 34 min 56 s
